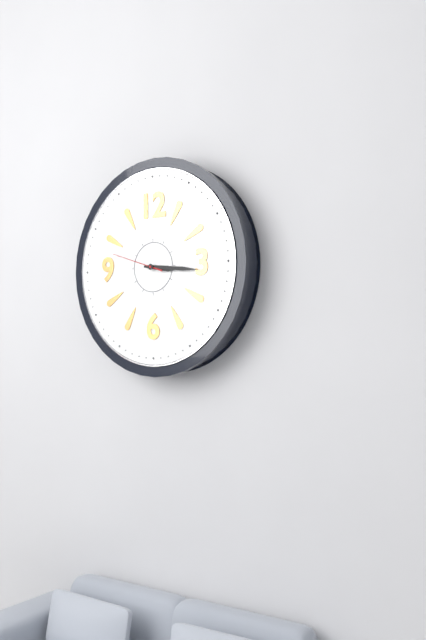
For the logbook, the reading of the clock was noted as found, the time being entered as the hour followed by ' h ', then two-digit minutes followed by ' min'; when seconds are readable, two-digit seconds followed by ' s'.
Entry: 3 h 16 min 48 s
